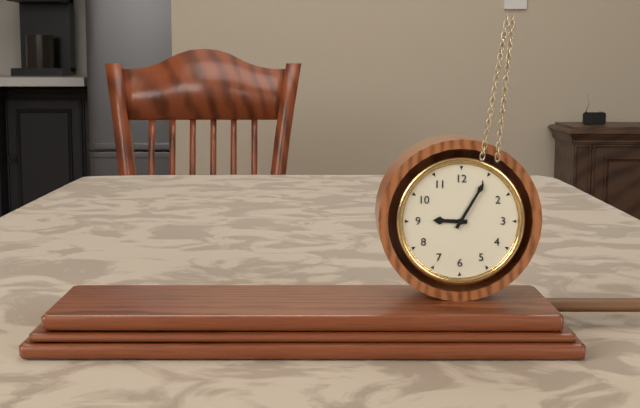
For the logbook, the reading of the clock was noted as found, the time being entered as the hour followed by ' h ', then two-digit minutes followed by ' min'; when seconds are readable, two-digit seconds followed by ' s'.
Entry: 9 h 05 min
